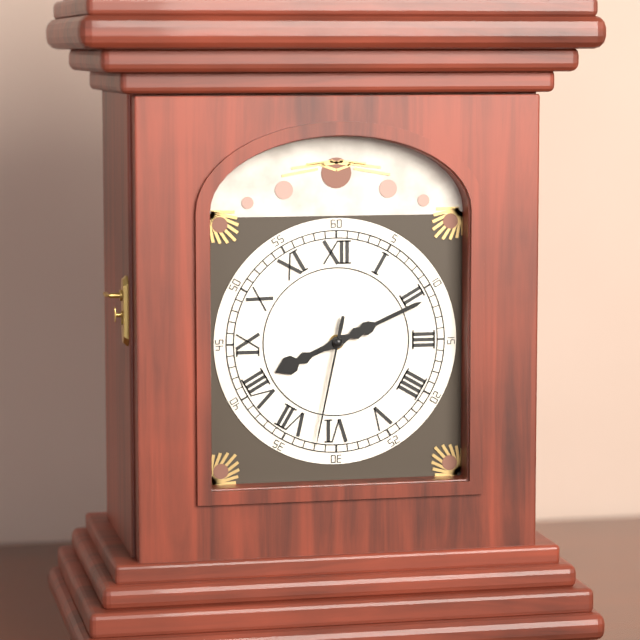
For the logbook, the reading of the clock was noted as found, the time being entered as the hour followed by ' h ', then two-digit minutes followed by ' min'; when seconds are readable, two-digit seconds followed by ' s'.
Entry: 8 h 11 min 32 s
